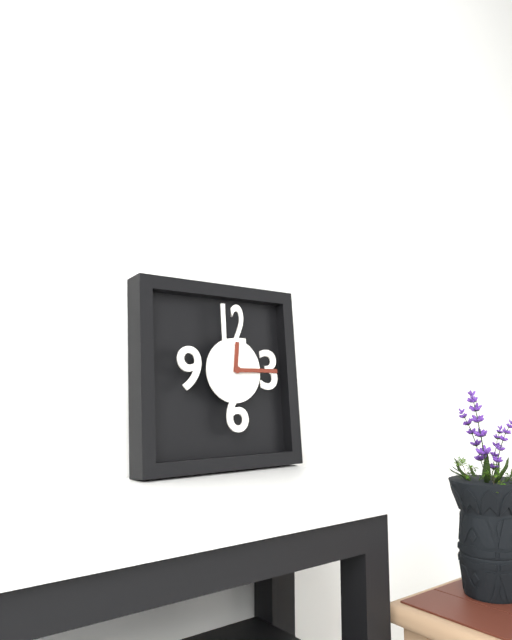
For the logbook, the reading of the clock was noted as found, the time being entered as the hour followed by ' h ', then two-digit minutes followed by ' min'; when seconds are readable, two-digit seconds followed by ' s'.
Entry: 12 h 15 min
